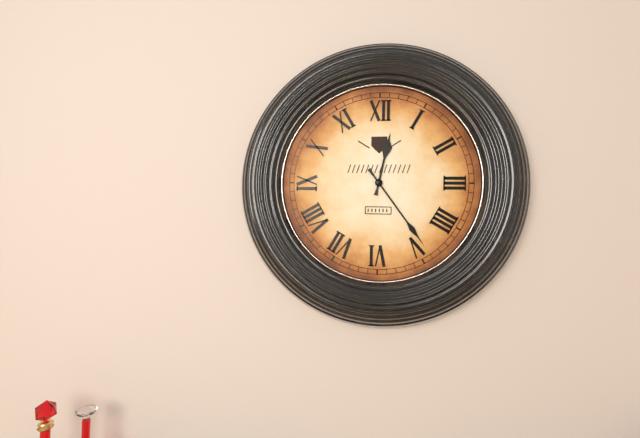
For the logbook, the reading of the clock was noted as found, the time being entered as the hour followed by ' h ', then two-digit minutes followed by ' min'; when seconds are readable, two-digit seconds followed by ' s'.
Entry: 12 h 24 min
